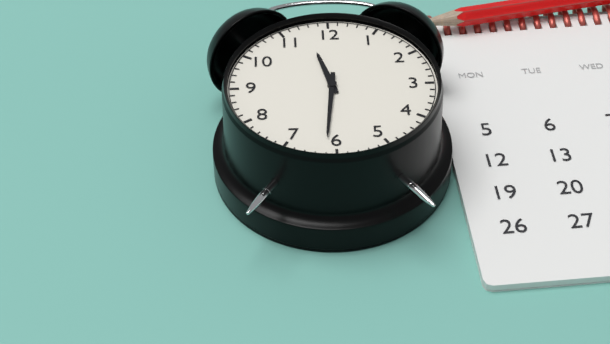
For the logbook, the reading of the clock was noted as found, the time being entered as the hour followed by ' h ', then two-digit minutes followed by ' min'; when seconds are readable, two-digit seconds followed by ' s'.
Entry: 11 h 31 min
